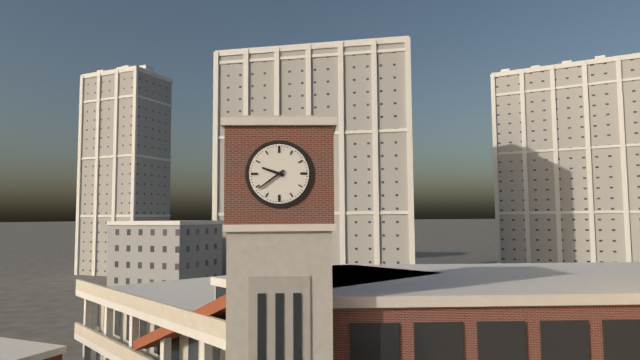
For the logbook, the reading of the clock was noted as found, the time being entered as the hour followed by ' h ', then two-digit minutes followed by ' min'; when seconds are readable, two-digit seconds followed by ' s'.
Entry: 9 h 39 min
